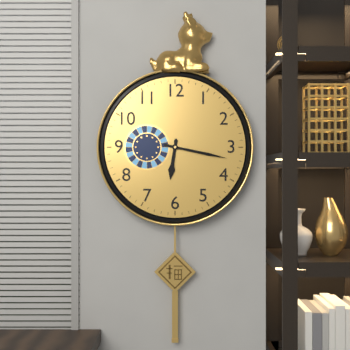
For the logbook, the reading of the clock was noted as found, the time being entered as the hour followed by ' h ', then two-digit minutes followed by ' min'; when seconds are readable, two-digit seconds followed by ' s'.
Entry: 6 h 17 min
